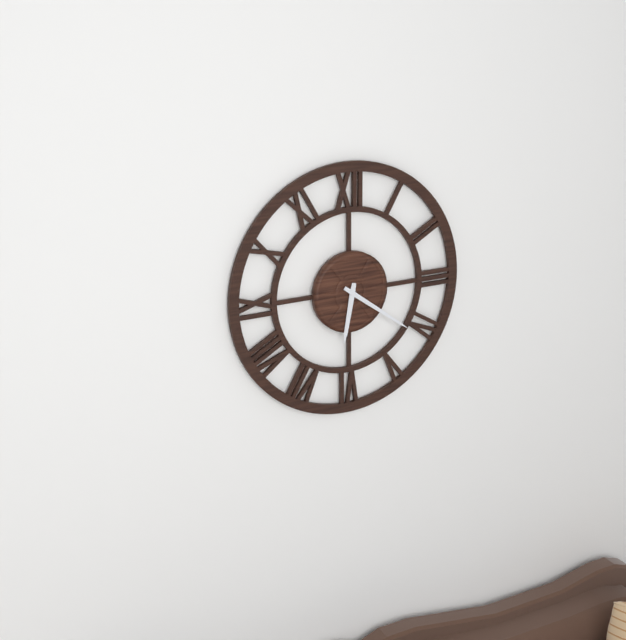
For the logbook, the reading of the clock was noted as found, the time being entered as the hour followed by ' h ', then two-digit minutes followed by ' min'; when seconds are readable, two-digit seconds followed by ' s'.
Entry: 6 h 21 min
